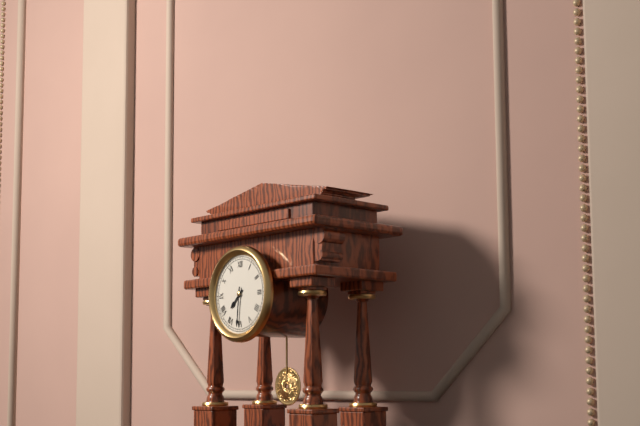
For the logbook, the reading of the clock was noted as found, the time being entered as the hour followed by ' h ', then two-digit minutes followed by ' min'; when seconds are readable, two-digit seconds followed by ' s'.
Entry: 7 h 31 min
